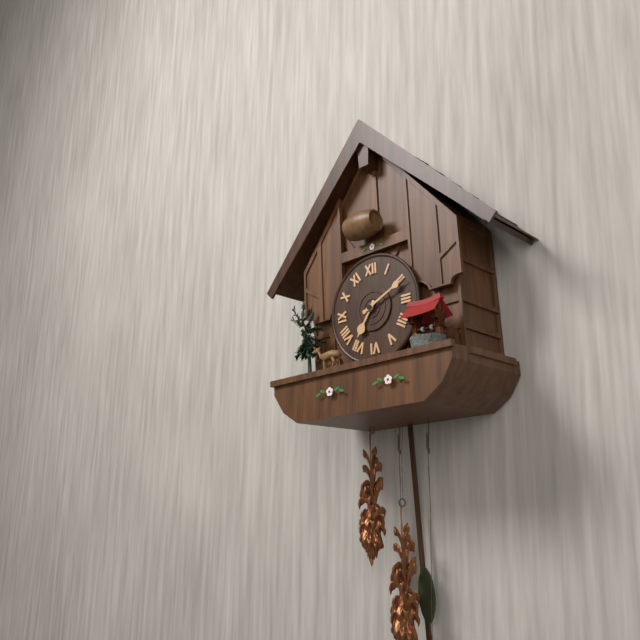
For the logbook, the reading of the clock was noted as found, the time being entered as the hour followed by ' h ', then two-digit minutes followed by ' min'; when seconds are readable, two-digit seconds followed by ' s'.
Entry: 7 h 11 min
